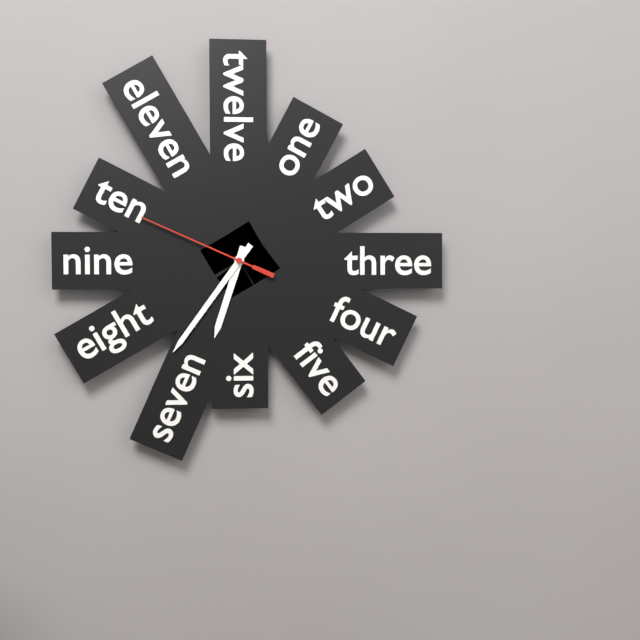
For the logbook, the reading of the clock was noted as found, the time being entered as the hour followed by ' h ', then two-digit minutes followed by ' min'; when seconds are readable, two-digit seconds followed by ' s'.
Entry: 6 h 36 min 49 s
